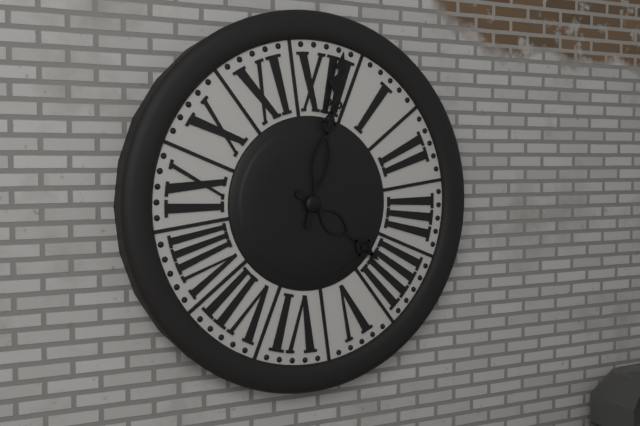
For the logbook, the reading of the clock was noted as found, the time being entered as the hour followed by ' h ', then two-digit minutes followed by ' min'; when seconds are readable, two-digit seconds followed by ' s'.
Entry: 4 h 01 min
